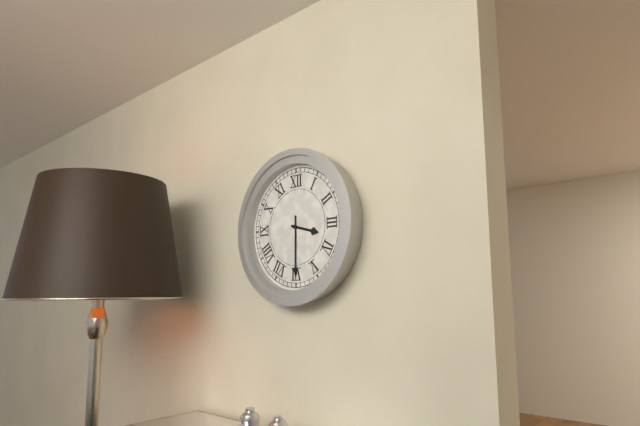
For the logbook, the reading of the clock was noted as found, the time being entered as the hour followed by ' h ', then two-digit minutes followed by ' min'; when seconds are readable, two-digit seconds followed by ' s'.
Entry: 3 h 30 min
